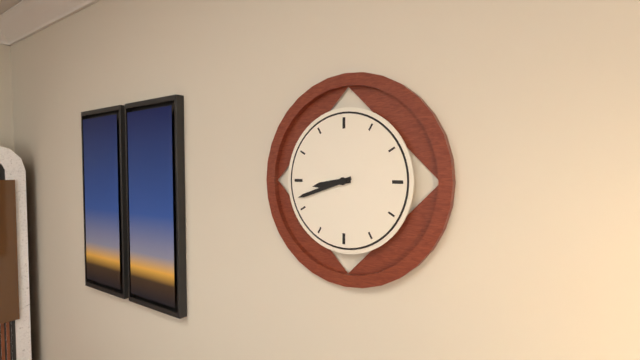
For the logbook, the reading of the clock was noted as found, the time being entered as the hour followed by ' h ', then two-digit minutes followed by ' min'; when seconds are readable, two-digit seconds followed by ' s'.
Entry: 8 h 42 min
